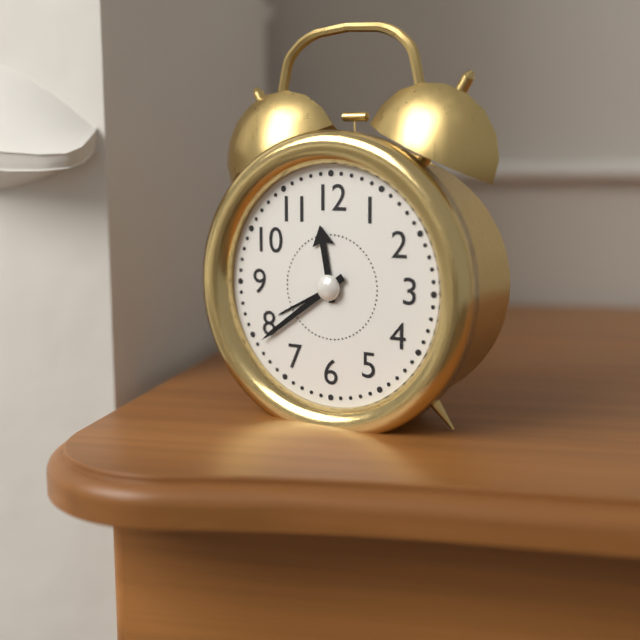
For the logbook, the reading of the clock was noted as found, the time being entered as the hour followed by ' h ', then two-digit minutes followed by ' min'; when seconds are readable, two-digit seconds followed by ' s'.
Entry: 11 h 39 min
